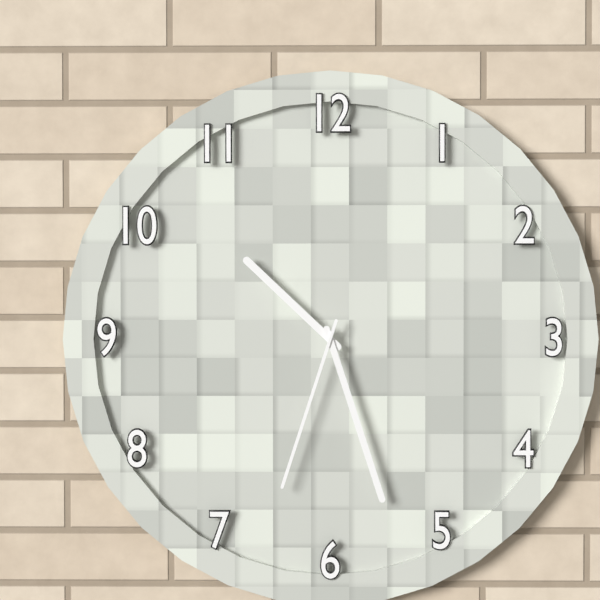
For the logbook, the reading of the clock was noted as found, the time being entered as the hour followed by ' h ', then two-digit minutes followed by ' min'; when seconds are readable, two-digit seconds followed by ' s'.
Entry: 10 h 27 min 33 s
